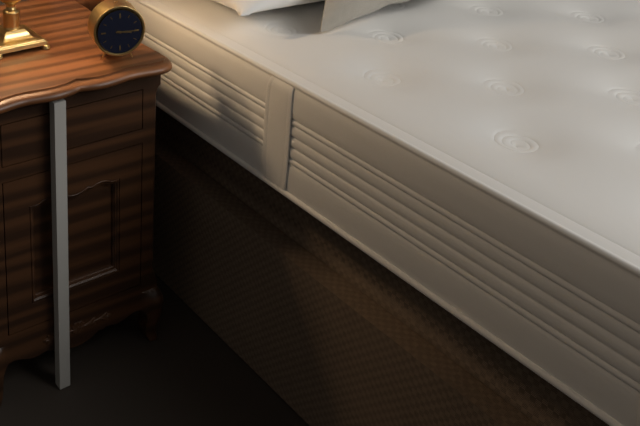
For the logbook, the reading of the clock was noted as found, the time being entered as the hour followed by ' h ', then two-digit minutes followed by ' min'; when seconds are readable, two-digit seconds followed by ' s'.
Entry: 3 h 15 min
